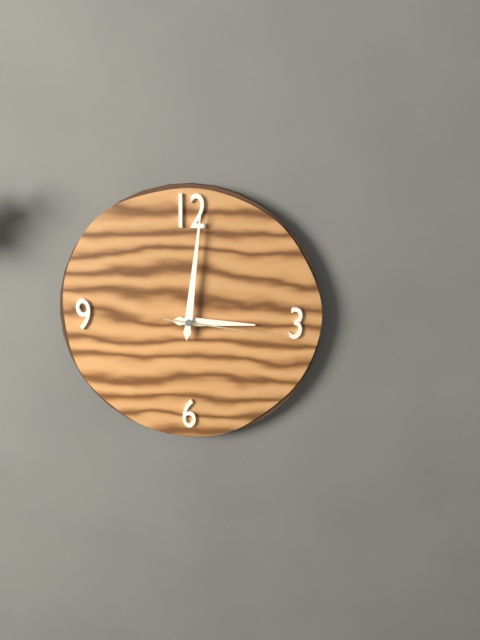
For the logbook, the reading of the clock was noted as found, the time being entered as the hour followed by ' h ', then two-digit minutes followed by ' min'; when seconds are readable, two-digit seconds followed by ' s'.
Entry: 3 h 01 min 16 s
